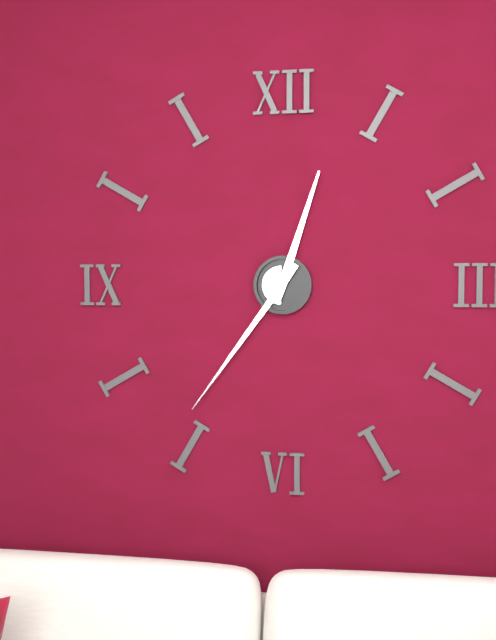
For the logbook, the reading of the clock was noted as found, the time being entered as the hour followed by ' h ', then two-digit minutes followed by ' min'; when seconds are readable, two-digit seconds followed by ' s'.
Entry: 12 h 36 min
